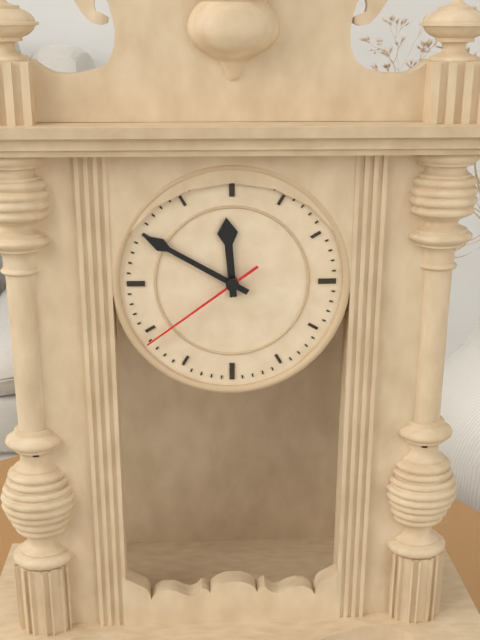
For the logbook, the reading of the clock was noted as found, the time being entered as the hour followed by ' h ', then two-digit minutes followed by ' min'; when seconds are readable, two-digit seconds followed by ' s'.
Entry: 11 h 50 min 39 s
